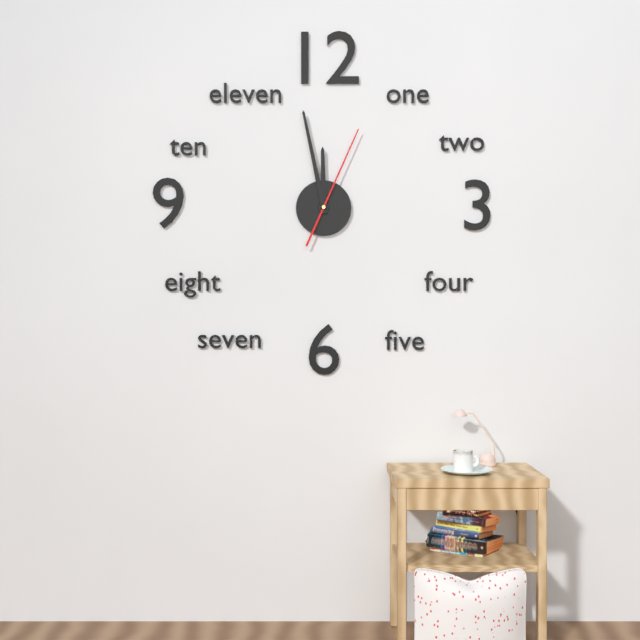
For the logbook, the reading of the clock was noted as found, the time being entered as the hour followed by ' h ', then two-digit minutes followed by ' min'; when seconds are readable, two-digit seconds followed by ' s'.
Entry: 11 h 58 min 04 s
